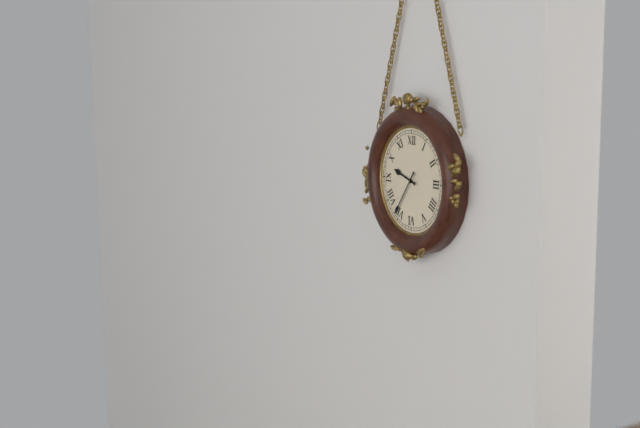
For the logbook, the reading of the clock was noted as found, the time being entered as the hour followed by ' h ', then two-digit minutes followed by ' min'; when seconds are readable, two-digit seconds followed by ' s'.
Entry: 9 h 36 min
